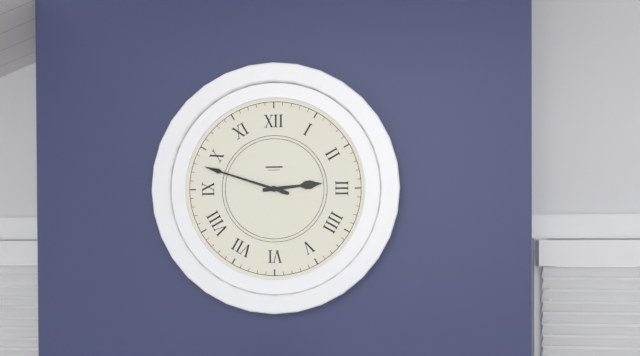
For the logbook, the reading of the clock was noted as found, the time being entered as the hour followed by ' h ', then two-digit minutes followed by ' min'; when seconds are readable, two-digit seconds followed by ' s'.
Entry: 2 h 48 min
